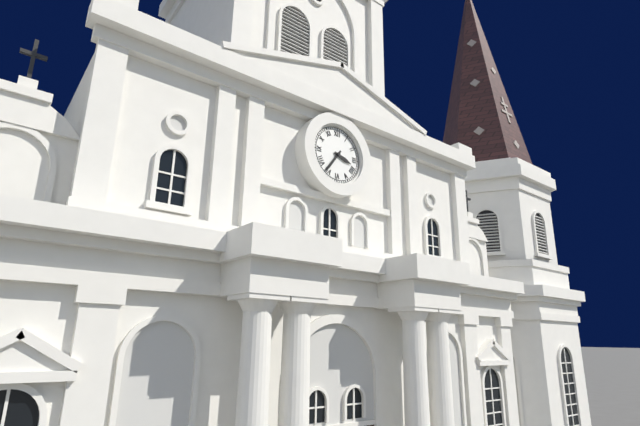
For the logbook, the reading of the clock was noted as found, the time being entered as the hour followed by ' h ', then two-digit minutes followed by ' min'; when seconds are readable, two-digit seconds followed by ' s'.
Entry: 3 h 36 min
